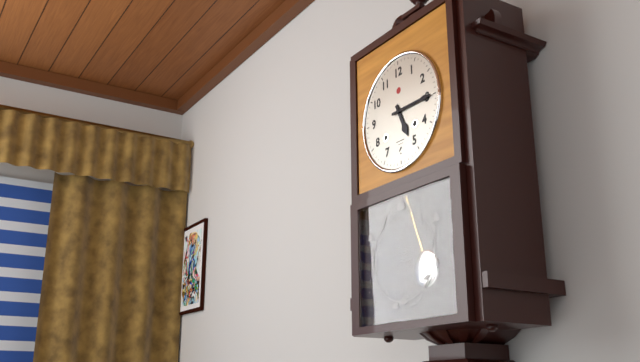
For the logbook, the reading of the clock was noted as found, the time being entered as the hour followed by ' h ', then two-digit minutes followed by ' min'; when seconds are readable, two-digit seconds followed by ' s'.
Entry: 5 h 15 min
